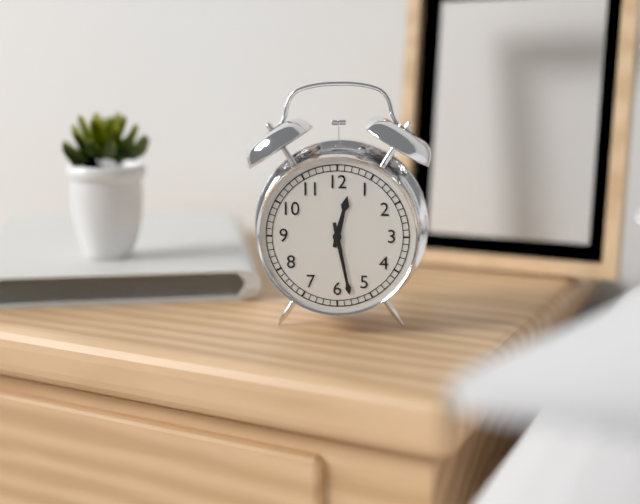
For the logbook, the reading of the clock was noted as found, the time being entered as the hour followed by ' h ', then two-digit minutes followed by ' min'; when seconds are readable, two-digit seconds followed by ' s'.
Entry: 12 h 28 min
